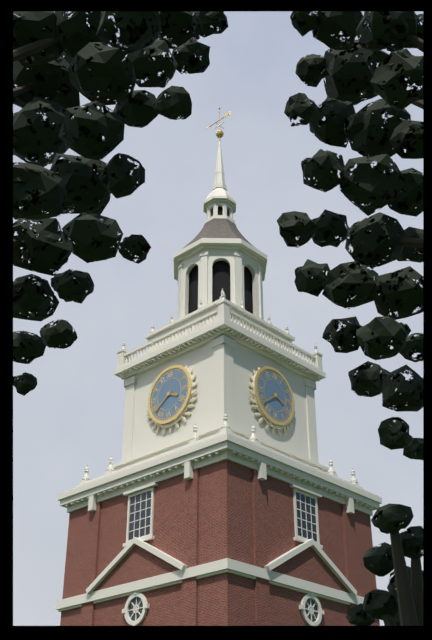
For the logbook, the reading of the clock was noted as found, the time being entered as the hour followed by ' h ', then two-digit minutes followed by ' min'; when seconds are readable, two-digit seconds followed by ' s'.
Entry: 3 h 39 min
